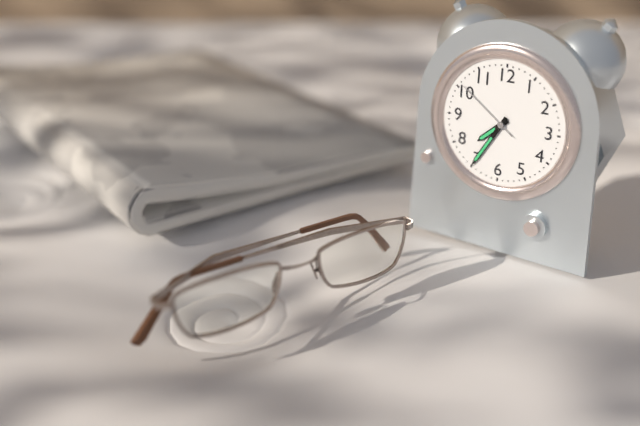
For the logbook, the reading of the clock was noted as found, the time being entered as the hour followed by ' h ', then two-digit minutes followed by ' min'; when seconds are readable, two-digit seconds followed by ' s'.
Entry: 7 h 35 min 51 s
